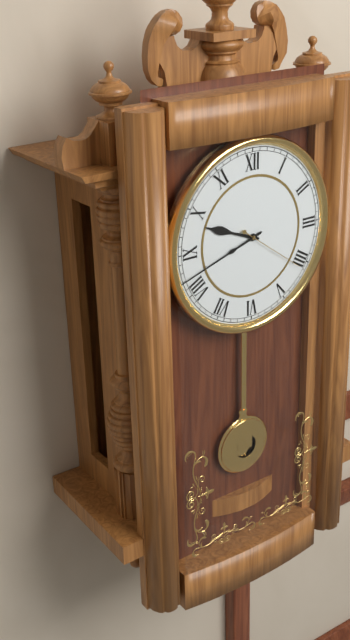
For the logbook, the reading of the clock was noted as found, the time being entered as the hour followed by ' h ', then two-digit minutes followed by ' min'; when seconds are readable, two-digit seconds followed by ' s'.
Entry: 9 h 42 min 21 s
